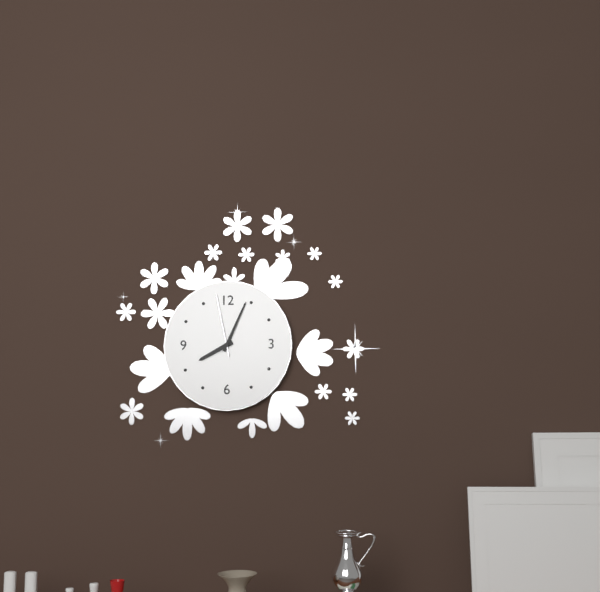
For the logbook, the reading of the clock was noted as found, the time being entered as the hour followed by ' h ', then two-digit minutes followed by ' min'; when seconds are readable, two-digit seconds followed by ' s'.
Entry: 8 h 04 min 58 s
